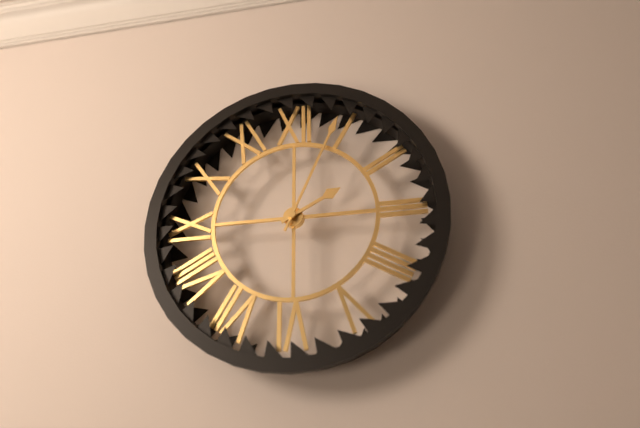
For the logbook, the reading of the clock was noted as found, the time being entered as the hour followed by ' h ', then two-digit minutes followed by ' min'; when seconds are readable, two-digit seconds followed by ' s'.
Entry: 2 h 04 min
